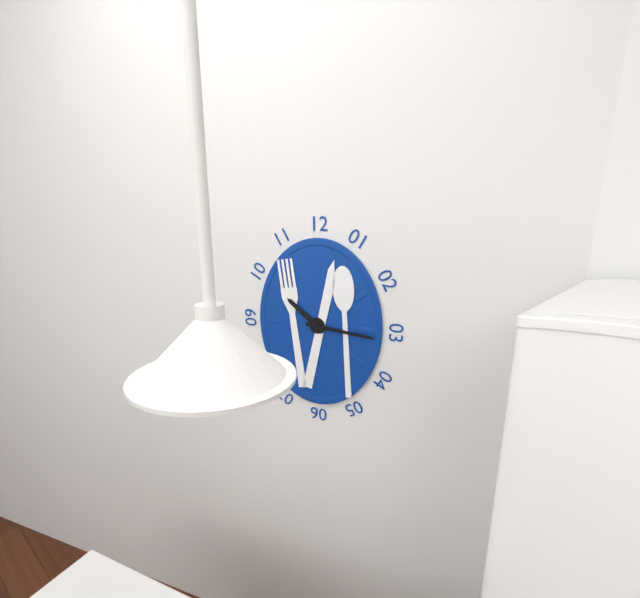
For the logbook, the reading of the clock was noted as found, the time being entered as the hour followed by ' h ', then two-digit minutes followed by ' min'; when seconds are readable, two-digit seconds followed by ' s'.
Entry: 10 h 16 min
